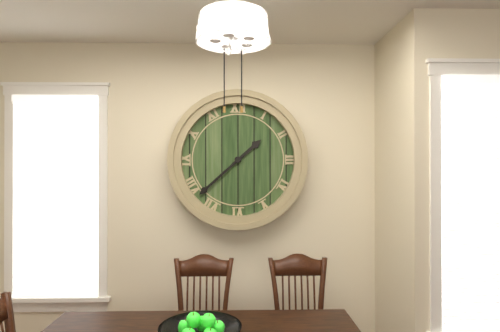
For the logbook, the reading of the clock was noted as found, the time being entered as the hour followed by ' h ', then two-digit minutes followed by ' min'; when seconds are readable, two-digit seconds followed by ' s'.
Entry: 1 h 38 min
